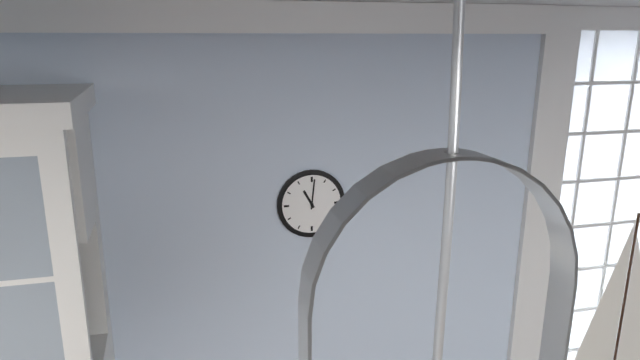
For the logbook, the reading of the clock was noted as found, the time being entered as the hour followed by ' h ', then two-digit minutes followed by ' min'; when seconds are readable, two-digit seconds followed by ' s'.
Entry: 11 h 01 min
